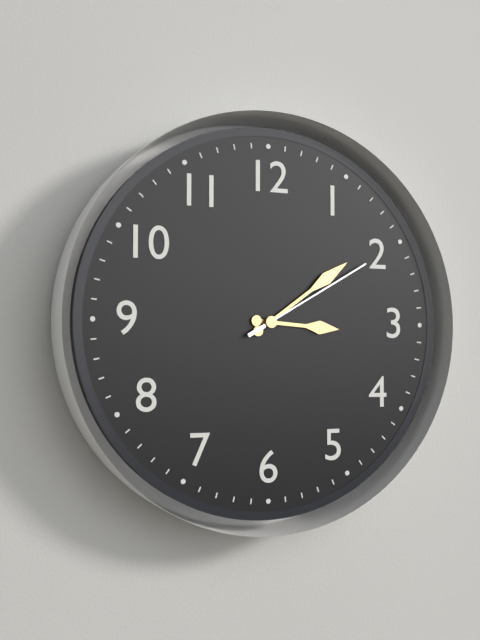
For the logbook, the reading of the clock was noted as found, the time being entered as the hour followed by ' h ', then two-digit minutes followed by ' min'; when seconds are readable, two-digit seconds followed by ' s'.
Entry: 3 h 09 min 10 s
